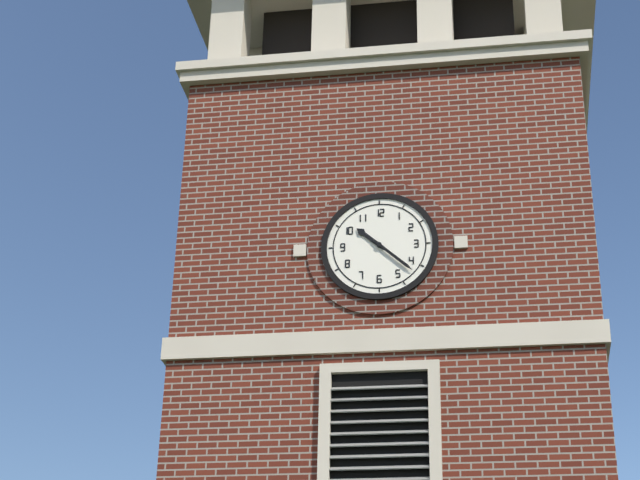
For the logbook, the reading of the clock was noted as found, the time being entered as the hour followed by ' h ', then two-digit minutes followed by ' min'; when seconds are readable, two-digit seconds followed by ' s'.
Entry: 10 h 22 min
